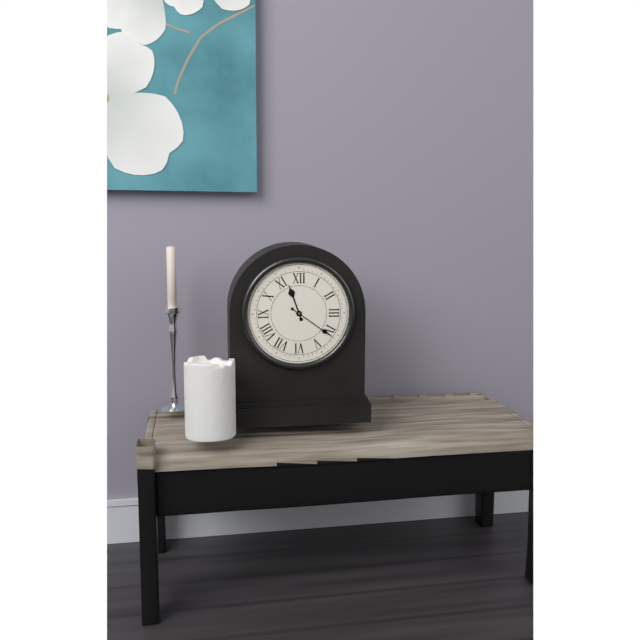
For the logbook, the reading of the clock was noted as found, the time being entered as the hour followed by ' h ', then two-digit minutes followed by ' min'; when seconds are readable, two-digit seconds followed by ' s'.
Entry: 11 h 21 min
